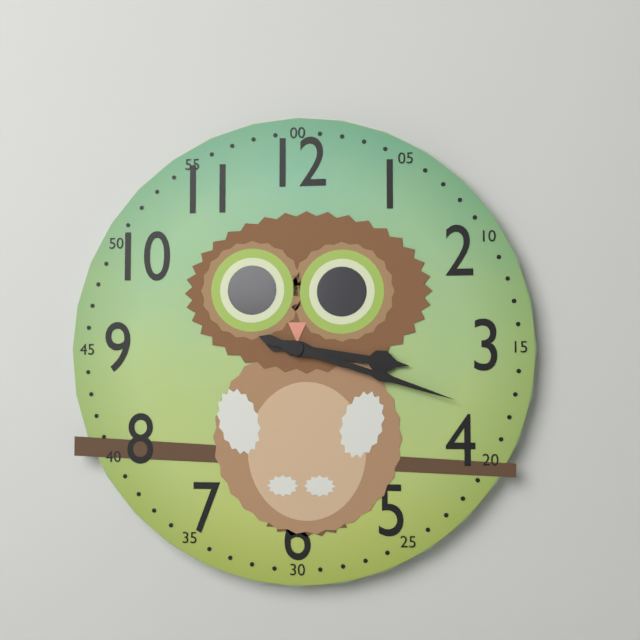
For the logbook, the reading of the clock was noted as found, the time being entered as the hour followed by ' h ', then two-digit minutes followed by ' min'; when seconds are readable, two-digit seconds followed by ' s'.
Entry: 3 h 18 min
